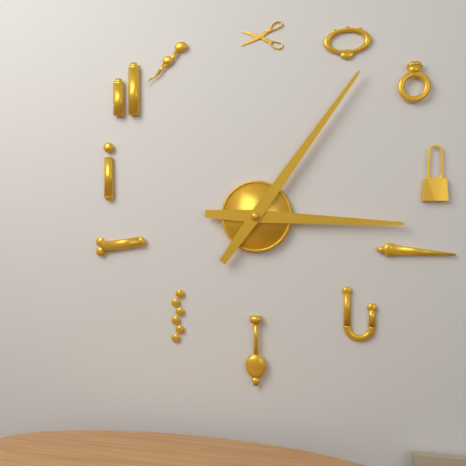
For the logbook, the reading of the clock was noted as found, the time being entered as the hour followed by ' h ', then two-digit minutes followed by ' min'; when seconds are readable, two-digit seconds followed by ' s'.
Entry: 3 h 06 min
